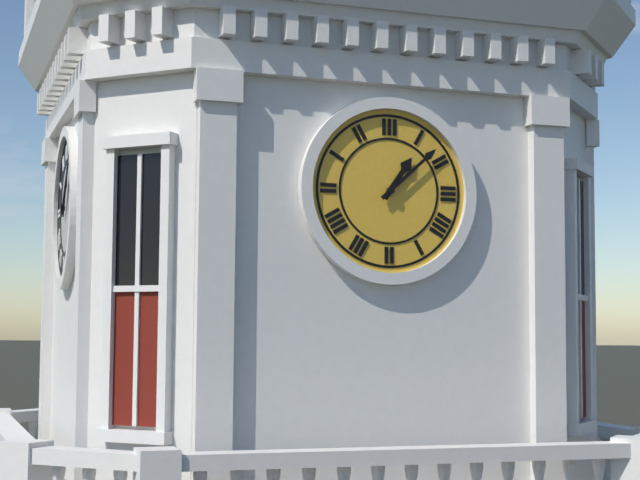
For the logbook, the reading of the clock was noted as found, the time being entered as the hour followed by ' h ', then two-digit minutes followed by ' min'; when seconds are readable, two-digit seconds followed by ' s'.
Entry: 1 h 08 min
